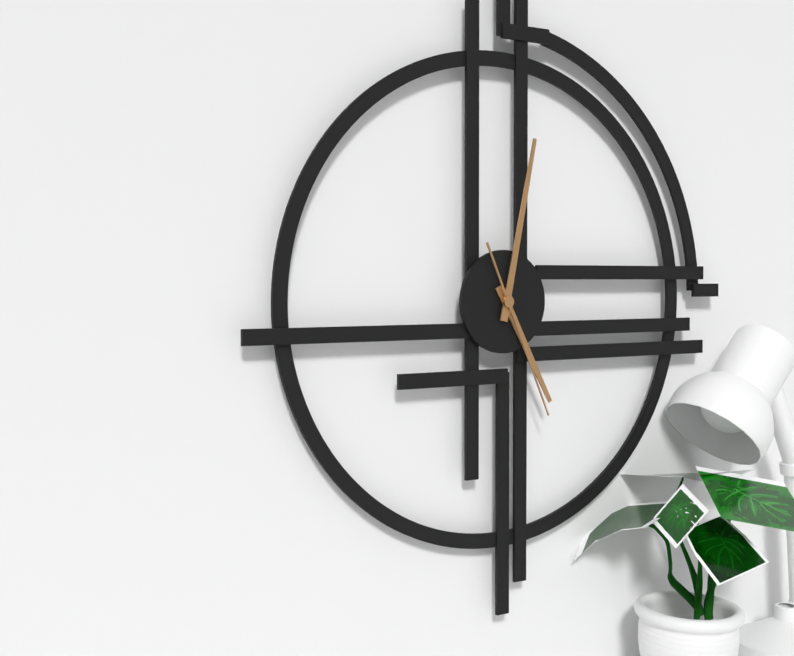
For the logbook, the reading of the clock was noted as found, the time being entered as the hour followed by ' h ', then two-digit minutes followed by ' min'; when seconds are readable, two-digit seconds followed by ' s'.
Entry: 5 h 02 min 26 s
